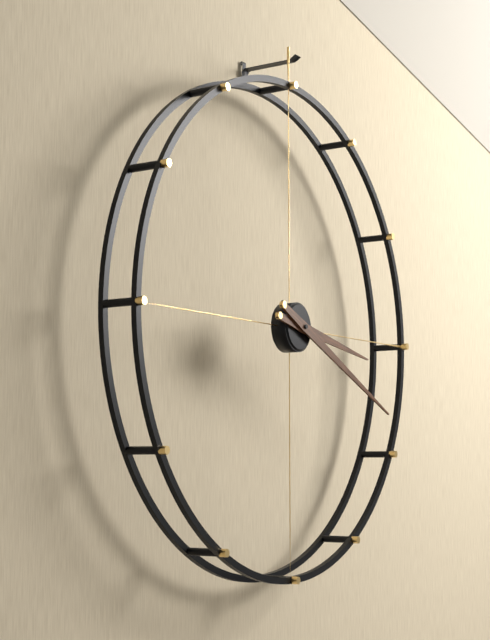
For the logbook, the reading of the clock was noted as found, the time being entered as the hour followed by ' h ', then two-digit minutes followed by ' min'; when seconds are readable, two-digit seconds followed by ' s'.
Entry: 3 h 19 min
